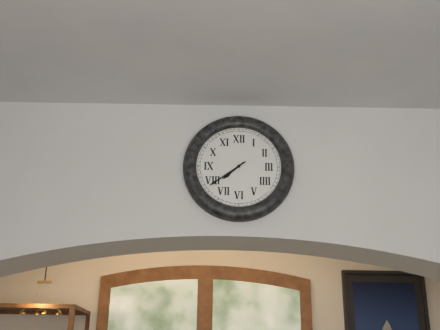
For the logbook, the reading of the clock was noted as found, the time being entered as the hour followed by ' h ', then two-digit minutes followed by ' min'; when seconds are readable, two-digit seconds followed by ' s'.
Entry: 7 h 39 min
